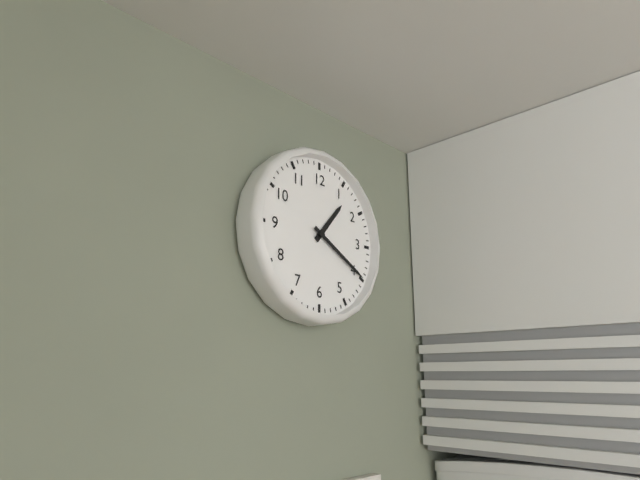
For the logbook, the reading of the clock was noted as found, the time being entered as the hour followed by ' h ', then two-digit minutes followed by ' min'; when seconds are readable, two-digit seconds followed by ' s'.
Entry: 1 h 20 min
